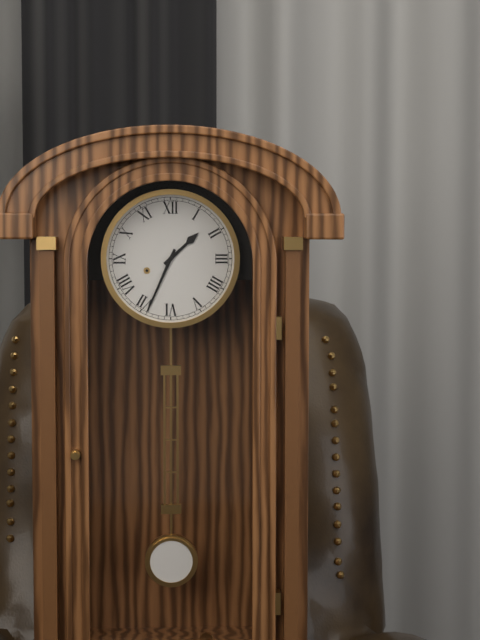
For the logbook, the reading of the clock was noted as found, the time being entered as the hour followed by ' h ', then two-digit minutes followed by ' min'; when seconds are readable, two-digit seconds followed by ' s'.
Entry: 1 h 34 min
